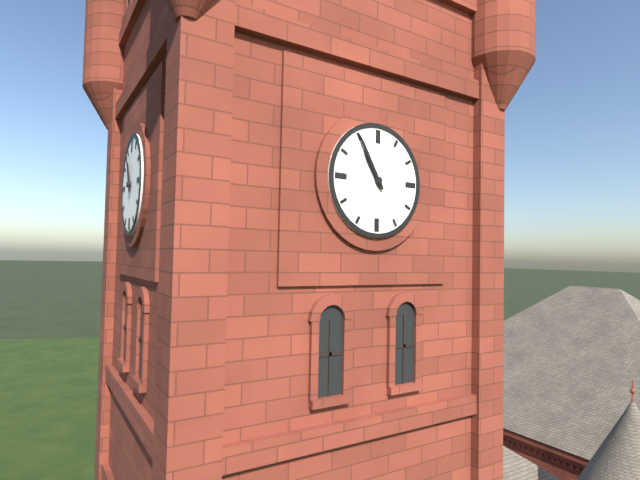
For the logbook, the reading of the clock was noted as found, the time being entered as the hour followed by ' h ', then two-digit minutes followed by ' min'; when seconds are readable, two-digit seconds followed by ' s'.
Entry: 10 h 55 min
